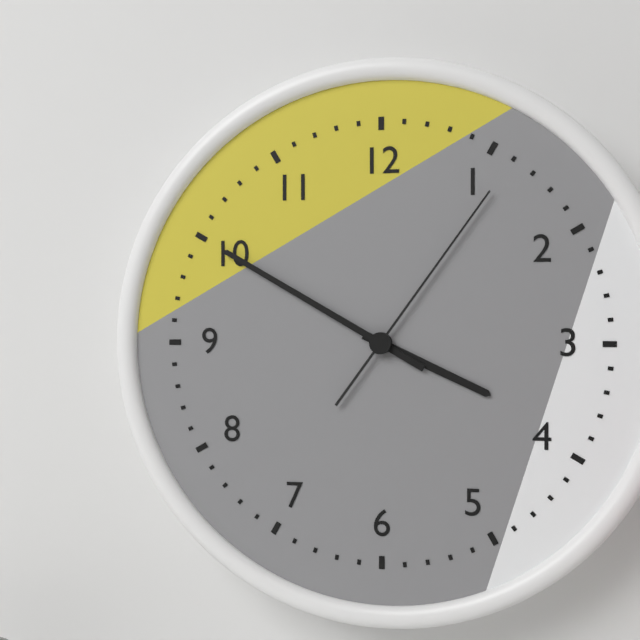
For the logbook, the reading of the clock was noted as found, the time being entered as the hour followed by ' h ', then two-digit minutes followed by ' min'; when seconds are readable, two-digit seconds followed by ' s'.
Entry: 3 h 50 min 06 s
